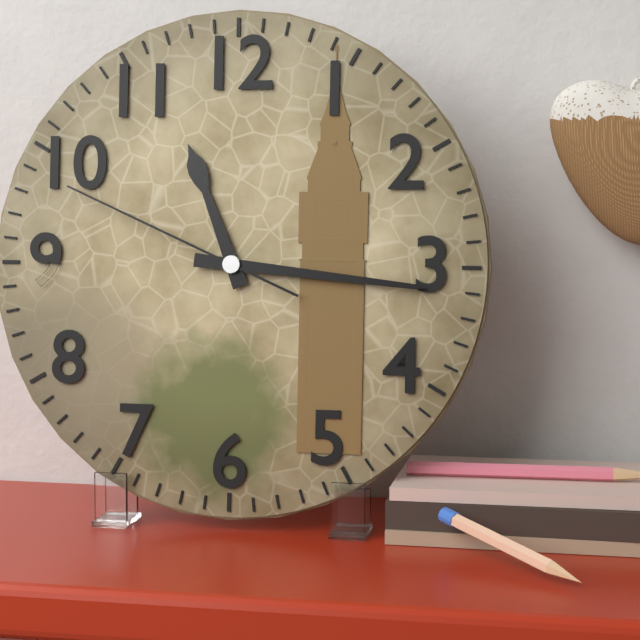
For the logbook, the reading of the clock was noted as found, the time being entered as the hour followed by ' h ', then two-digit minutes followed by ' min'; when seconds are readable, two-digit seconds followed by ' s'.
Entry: 11 h 16 min 49 s
